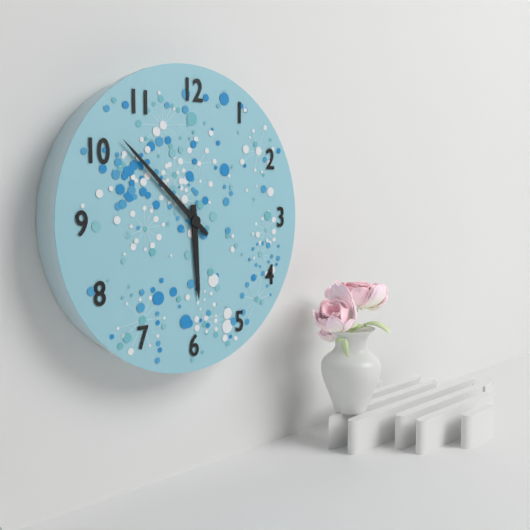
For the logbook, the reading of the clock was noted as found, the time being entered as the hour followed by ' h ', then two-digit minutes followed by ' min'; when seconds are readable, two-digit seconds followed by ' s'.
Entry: 5 h 52 min
